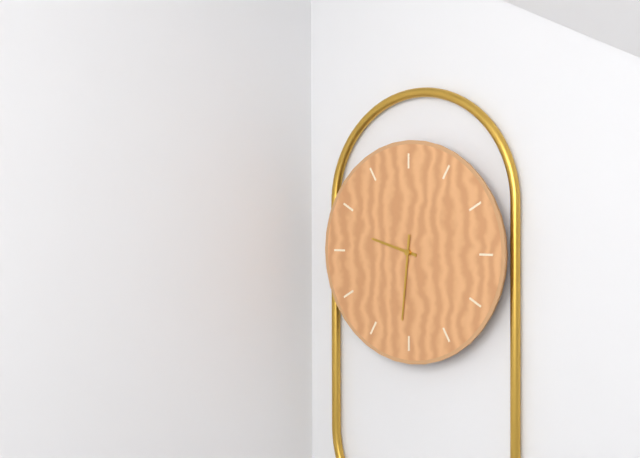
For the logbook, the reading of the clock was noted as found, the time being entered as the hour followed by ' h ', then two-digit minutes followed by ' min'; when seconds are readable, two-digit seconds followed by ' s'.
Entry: 9 h 31 min
